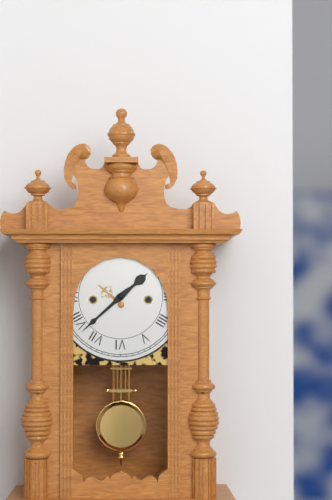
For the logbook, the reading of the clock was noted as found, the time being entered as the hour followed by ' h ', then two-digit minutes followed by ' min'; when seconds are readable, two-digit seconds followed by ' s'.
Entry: 1 h 38 min
